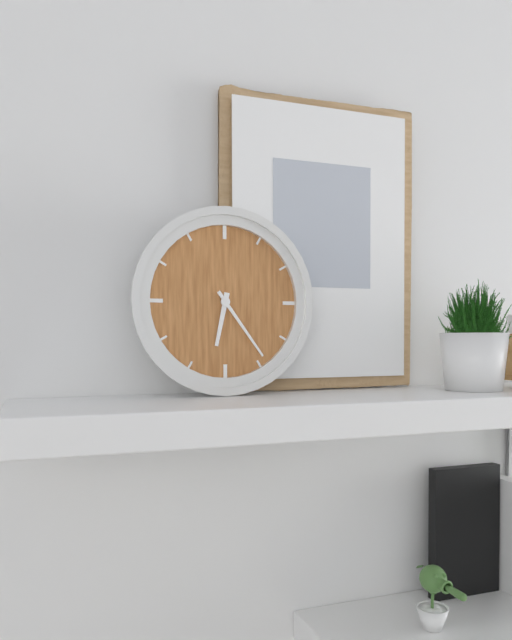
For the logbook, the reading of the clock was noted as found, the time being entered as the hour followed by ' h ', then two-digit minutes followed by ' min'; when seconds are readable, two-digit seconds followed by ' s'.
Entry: 6 h 24 min
